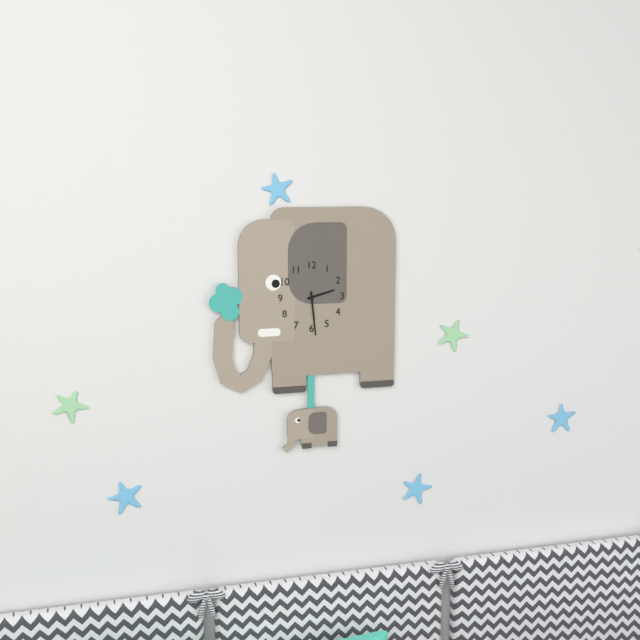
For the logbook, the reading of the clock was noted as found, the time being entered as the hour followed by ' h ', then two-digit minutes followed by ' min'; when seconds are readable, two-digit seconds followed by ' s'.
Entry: 2 h 29 min
